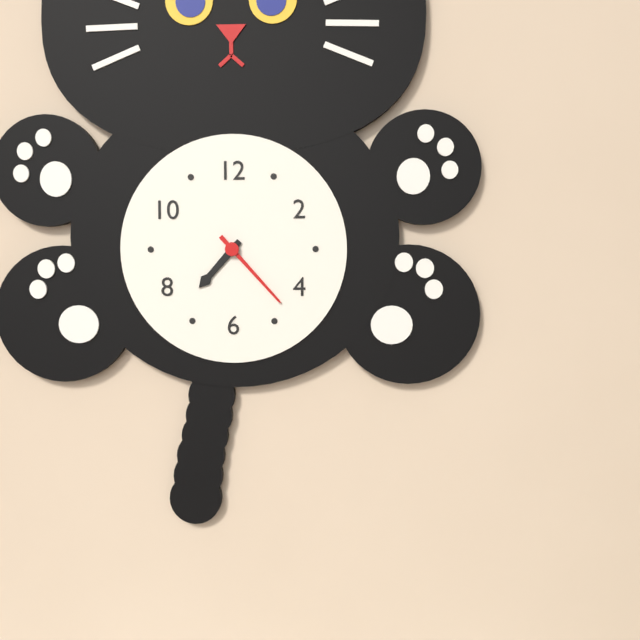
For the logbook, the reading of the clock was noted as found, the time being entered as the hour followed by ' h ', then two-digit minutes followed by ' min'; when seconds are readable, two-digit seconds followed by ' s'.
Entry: 7 h 23 min
